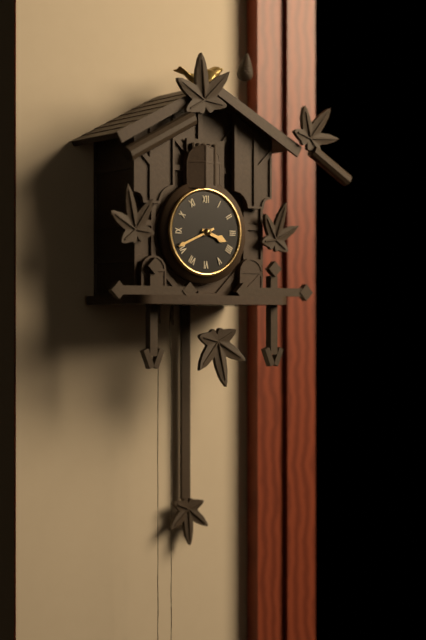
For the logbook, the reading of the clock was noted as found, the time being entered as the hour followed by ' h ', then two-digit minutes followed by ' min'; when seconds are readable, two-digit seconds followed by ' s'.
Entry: 3 h 41 min
